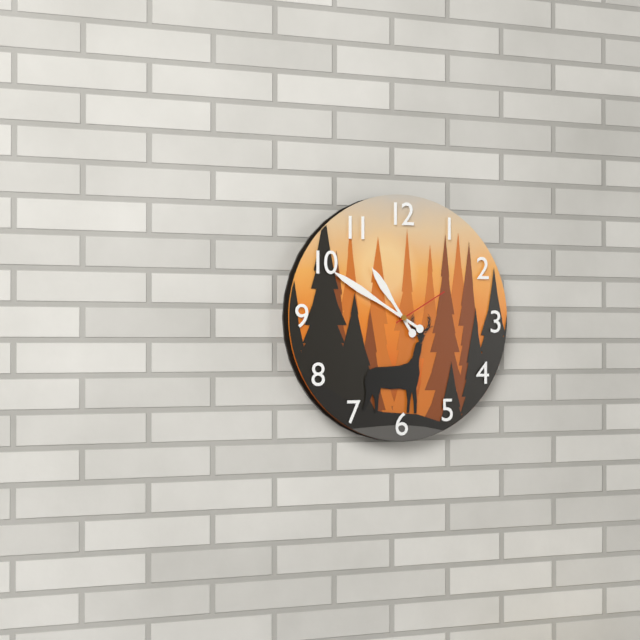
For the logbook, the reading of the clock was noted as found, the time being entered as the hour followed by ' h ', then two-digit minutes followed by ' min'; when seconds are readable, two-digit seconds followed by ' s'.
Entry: 10 h 50 min 10 s
